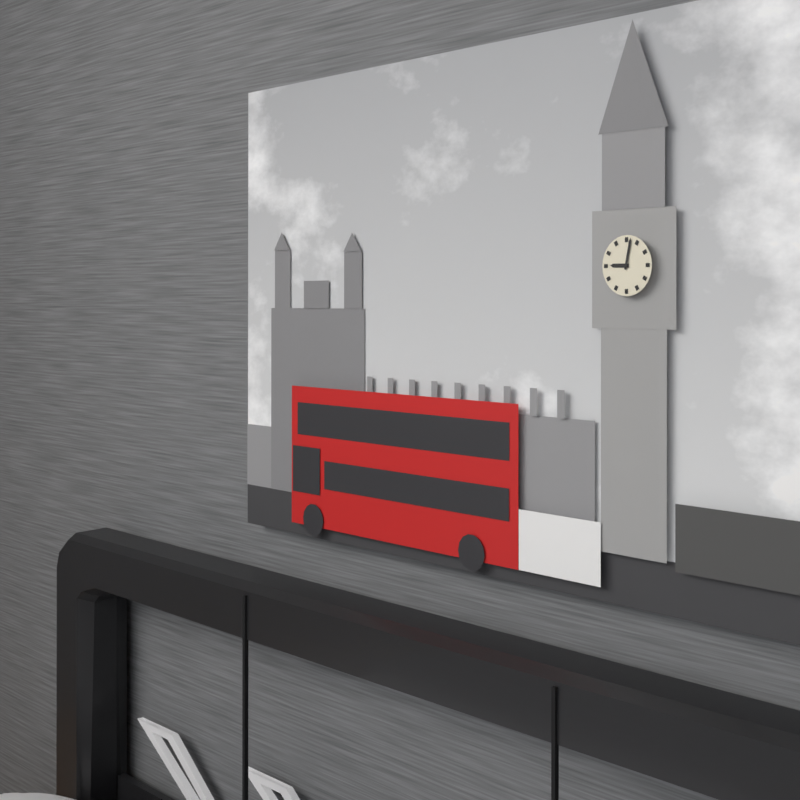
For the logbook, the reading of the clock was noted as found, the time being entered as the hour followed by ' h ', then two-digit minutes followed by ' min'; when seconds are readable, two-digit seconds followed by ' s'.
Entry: 9 h 02 min
